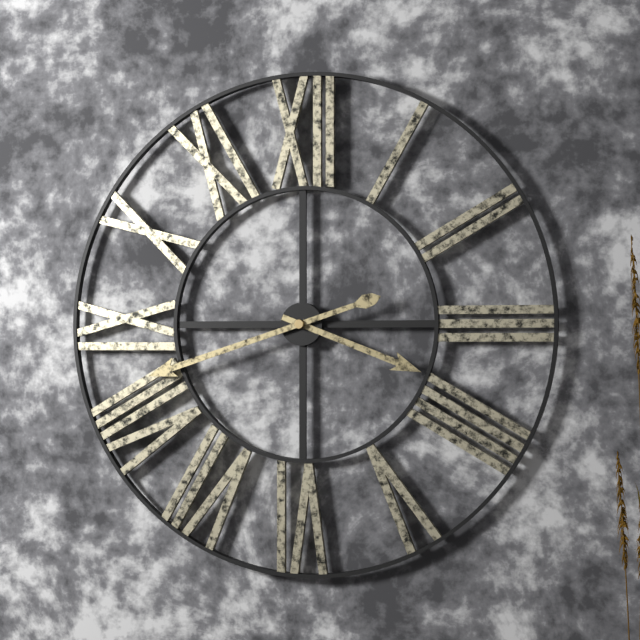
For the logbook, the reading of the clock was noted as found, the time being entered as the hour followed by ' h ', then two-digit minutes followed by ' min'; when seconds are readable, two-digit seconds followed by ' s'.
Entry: 3 h 42 min
